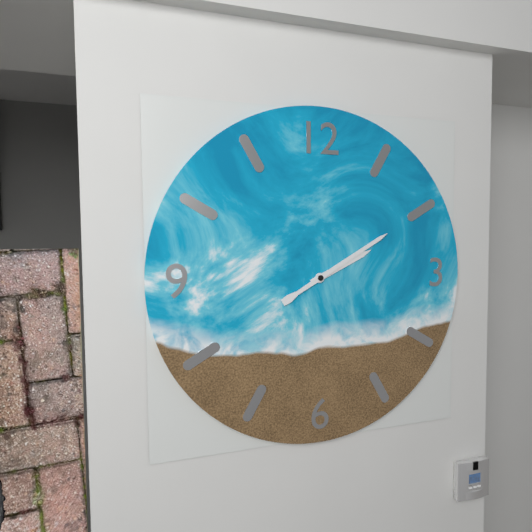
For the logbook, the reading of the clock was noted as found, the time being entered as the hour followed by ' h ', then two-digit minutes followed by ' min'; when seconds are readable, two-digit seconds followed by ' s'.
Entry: 2 h 10 min
